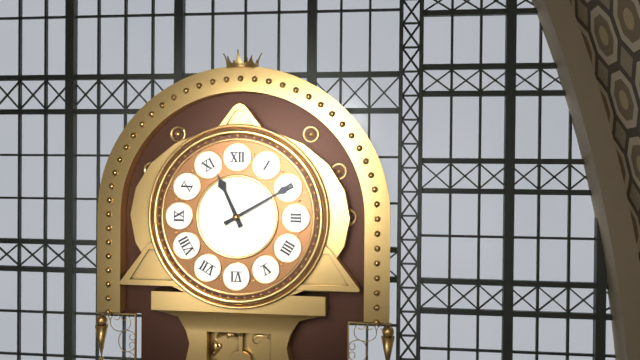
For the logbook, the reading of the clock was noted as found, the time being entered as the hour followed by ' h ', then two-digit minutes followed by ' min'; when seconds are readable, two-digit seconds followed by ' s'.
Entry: 11 h 10 min
